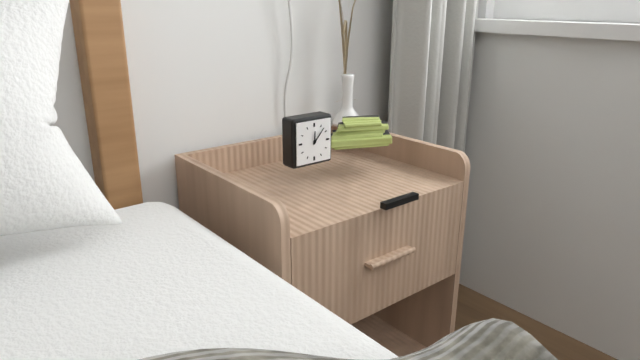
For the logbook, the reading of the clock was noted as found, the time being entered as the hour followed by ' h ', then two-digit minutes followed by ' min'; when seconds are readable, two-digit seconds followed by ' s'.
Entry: 12 h 07 min
